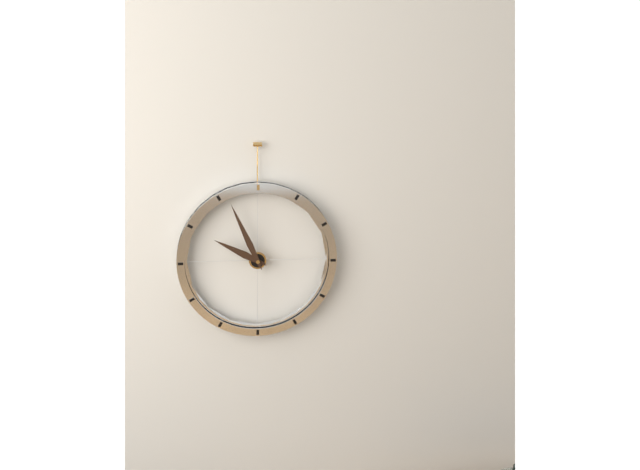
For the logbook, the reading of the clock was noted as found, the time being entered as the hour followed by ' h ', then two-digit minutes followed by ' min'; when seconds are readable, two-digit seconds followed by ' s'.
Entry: 9 h 56 min
